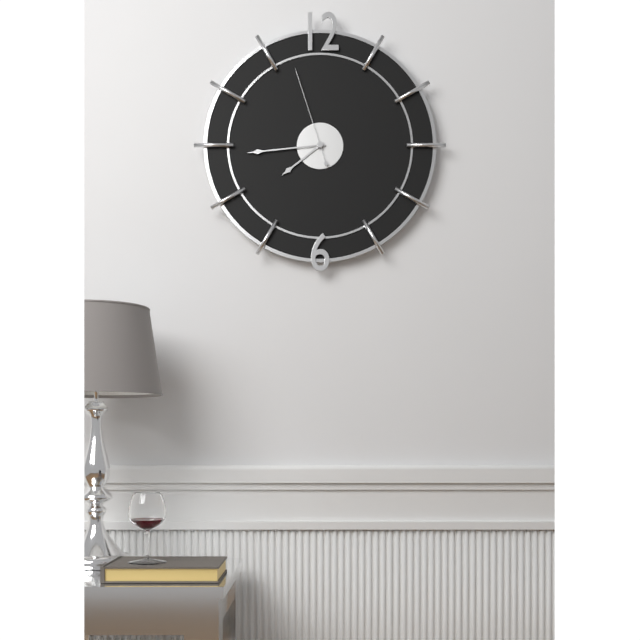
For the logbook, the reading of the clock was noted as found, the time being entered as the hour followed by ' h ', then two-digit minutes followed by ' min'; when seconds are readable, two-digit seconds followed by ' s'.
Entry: 7 h 44 min 57 s
